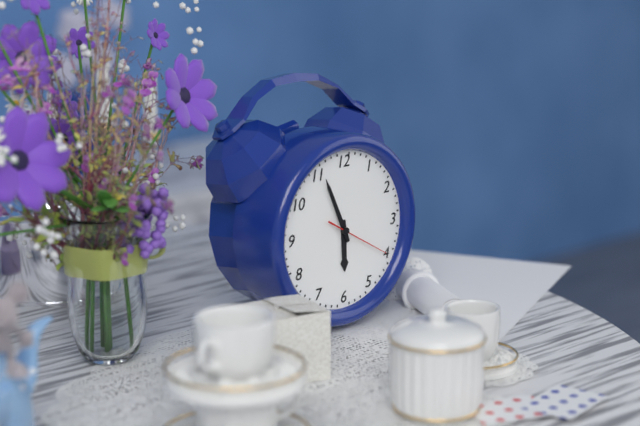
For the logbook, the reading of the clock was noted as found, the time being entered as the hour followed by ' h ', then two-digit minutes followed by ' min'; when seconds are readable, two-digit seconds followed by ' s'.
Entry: 5 h 56 min 20 s
